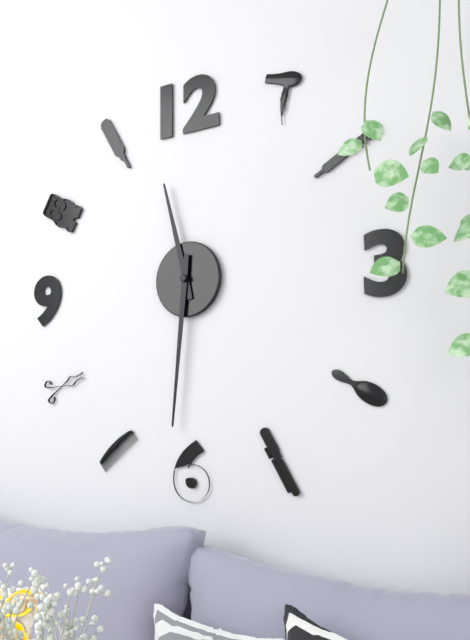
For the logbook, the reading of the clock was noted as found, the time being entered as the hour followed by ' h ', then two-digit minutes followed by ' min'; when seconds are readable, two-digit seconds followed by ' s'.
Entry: 11 h 31 min
